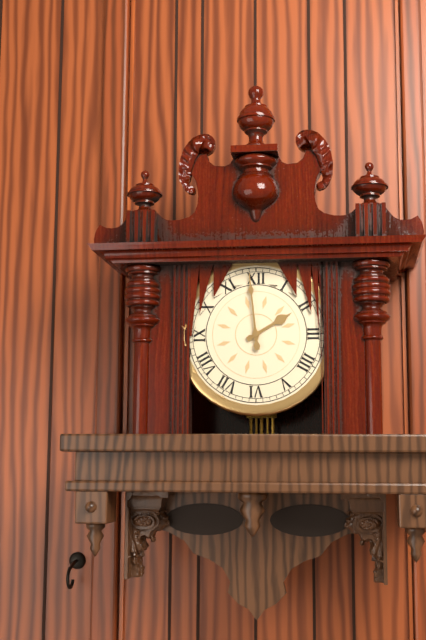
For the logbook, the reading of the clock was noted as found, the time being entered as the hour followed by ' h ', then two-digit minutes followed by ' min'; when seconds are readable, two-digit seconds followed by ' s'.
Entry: 1 h 59 min
